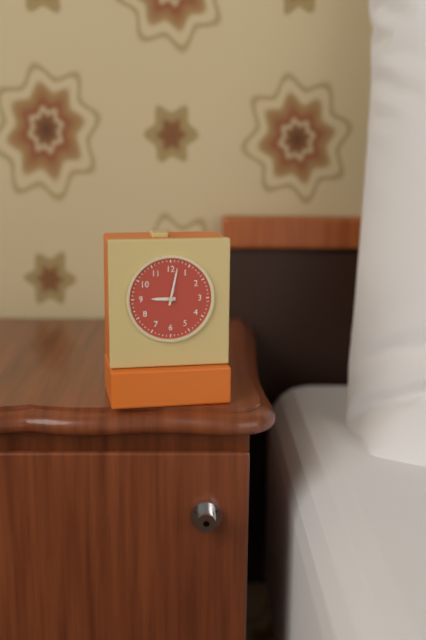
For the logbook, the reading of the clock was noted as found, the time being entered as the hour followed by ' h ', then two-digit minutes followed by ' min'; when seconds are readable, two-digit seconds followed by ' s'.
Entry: 9 h 02 min
